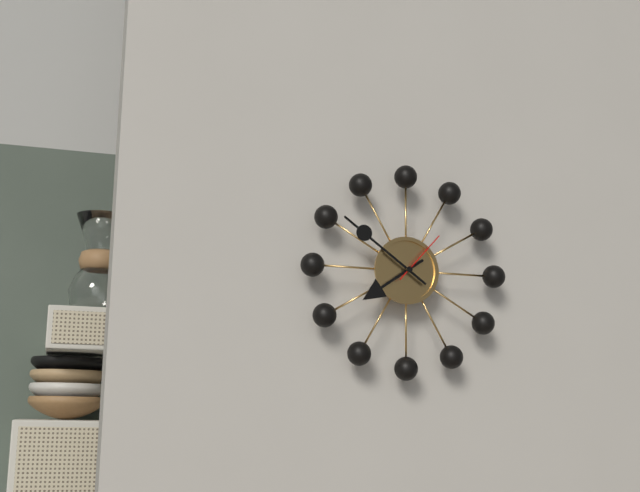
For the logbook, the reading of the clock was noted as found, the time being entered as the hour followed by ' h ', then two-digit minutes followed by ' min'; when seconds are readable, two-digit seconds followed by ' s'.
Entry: 7 h 51 min 07 s
